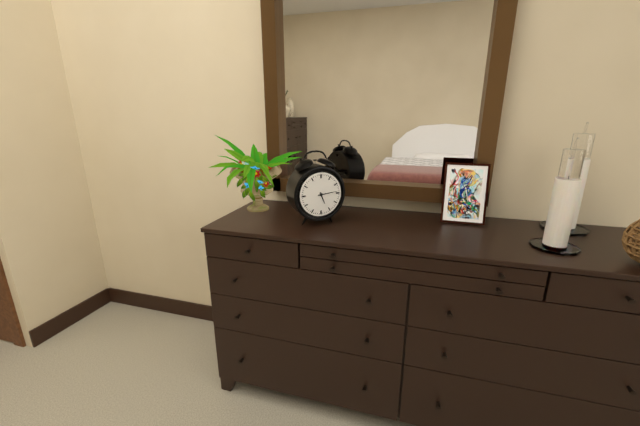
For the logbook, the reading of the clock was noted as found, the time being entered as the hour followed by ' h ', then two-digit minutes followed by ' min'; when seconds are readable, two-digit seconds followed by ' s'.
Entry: 5 h 14 min
